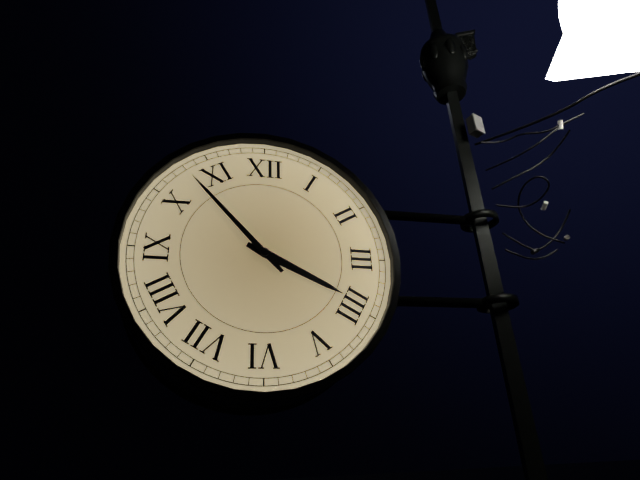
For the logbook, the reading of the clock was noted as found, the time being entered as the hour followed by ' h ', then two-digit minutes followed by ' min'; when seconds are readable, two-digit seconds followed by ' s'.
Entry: 3 h 53 min
